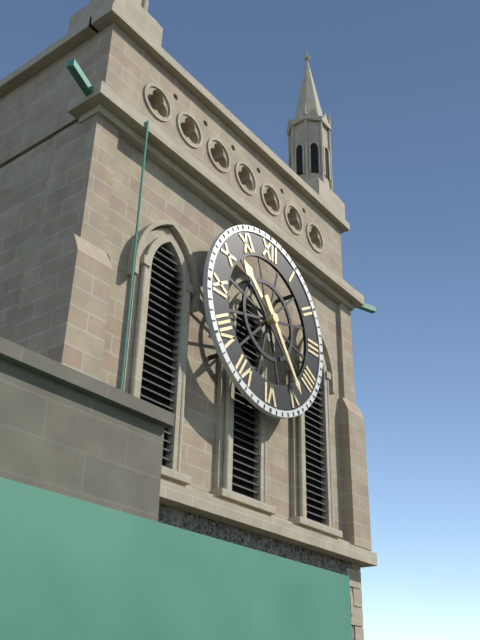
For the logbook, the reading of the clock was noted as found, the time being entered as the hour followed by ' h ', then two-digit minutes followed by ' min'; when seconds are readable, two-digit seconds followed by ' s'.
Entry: 10 h 24 min
